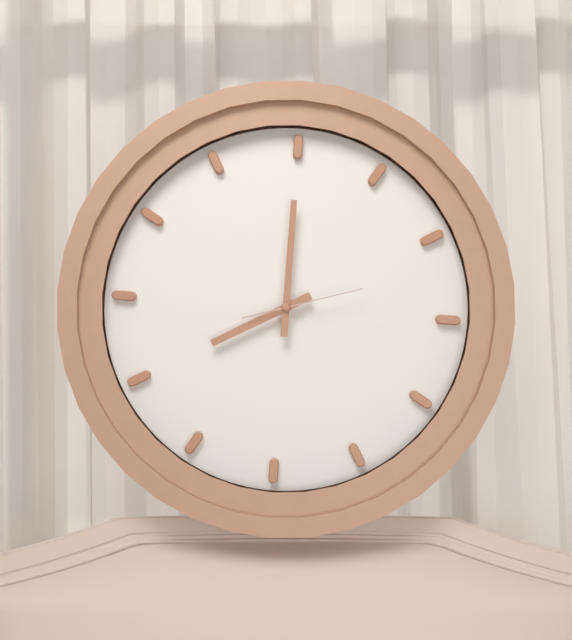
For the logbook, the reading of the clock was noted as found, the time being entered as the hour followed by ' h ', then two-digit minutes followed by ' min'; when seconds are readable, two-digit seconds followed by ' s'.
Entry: 8 h 00 min 12 s
